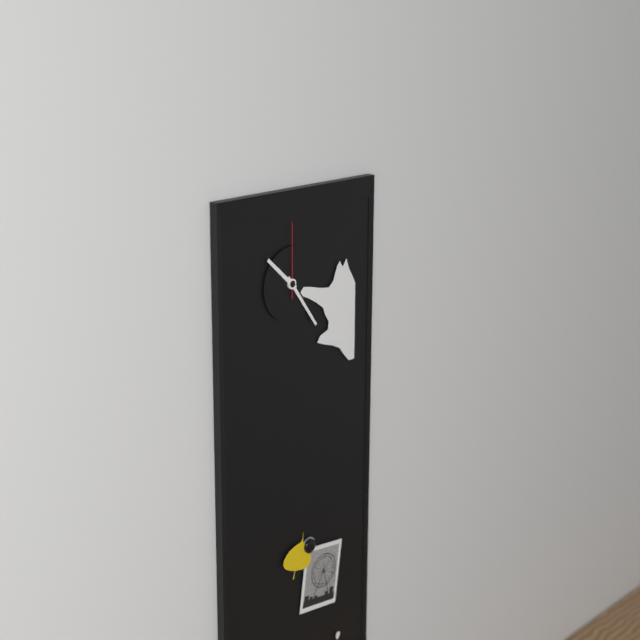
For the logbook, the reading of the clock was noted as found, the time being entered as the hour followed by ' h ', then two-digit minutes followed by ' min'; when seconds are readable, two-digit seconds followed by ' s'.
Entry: 10 h 24 min 00 s
